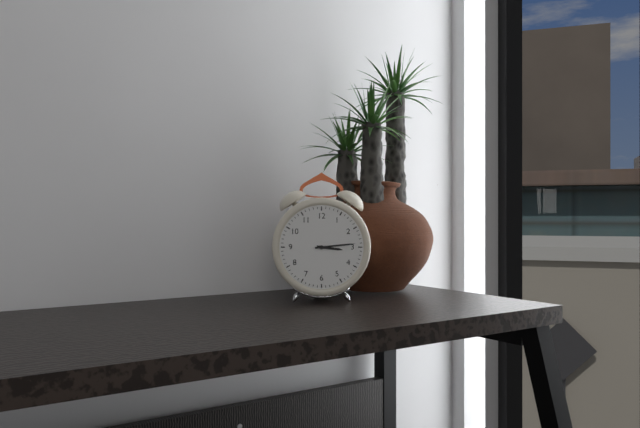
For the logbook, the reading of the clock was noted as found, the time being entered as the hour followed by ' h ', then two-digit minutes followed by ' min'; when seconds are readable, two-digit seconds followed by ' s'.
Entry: 3 h 14 min
